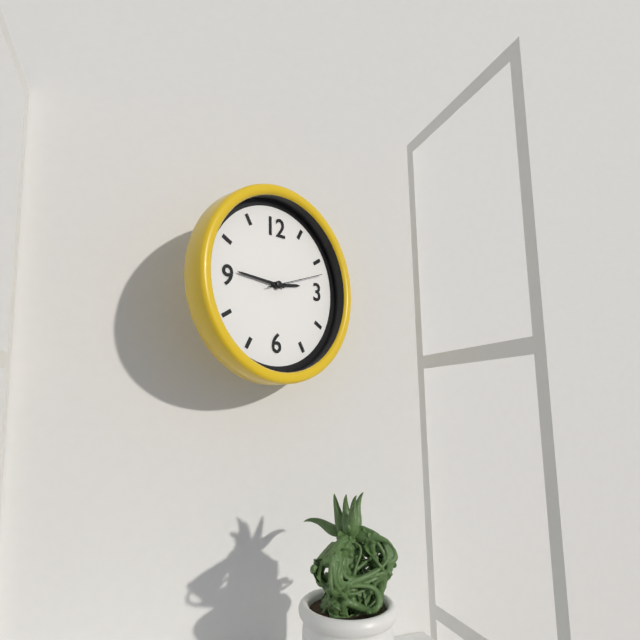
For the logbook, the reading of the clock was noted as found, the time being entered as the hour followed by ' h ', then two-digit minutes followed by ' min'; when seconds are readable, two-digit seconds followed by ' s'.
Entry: 2 h 46 min 12 s
